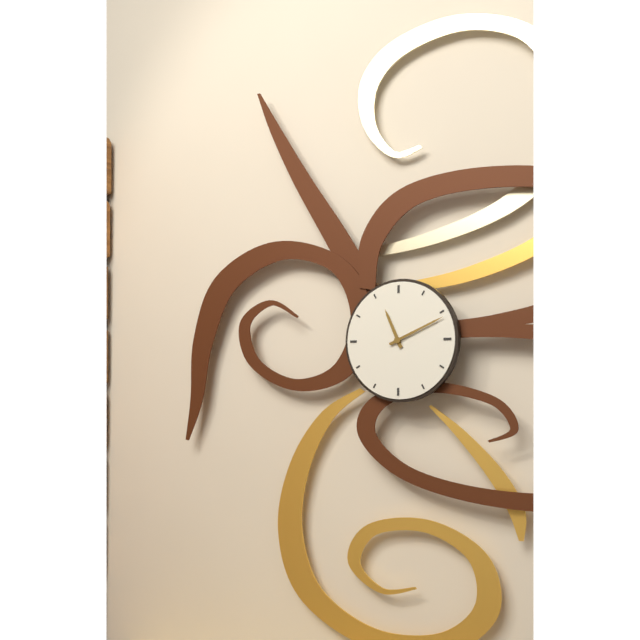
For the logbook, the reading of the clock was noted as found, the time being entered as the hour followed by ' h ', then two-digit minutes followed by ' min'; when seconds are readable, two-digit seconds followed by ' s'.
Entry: 11 h 11 min
